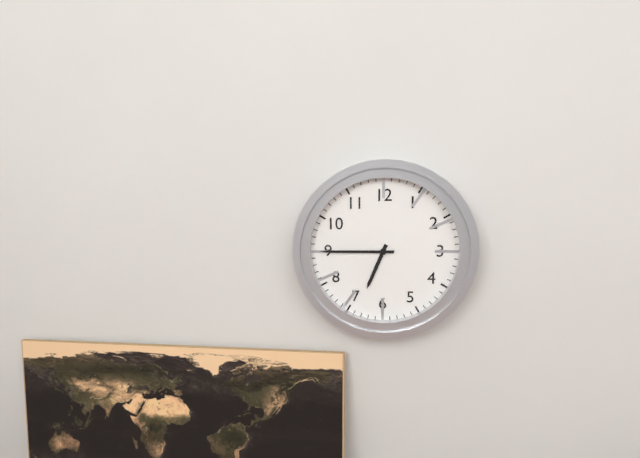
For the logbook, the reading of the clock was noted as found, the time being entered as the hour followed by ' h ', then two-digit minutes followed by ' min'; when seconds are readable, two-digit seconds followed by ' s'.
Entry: 6 h 45 min
